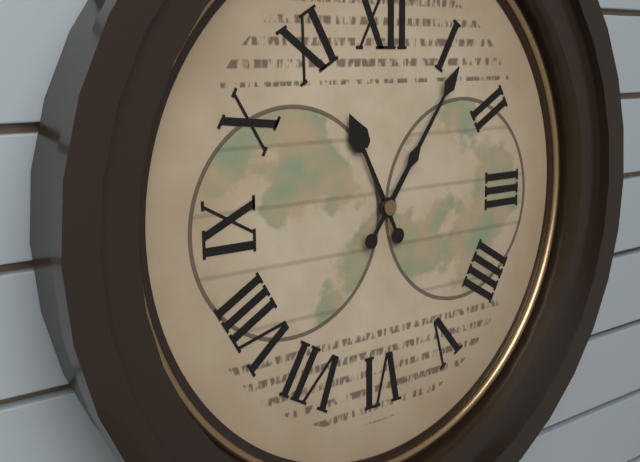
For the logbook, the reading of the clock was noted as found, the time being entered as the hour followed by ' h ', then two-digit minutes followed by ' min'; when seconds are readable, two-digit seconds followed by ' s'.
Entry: 11 h 06 min
